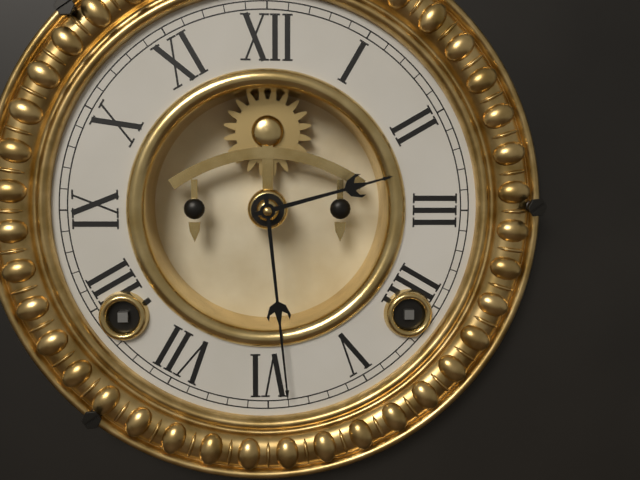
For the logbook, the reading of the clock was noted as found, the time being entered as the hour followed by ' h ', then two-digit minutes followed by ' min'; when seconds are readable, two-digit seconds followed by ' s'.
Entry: 2 h 29 min
